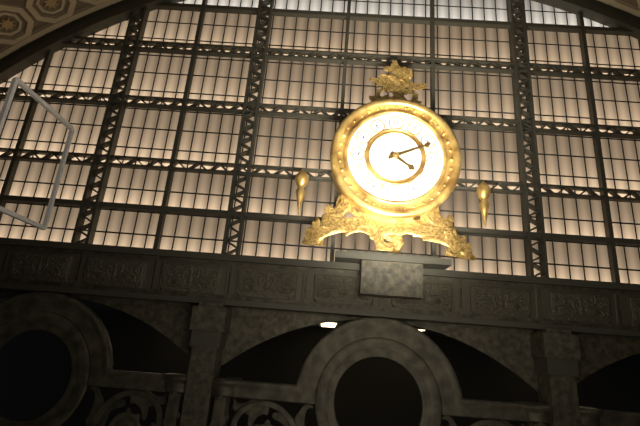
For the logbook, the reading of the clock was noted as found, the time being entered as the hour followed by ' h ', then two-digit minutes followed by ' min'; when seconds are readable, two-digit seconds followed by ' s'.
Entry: 4 h 11 min
